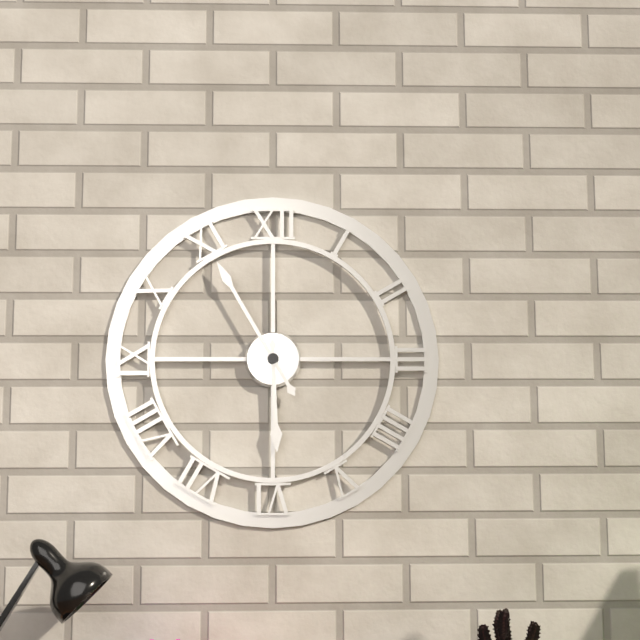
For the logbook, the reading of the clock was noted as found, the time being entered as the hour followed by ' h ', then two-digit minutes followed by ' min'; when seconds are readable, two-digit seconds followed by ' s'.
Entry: 5 h 55 min
